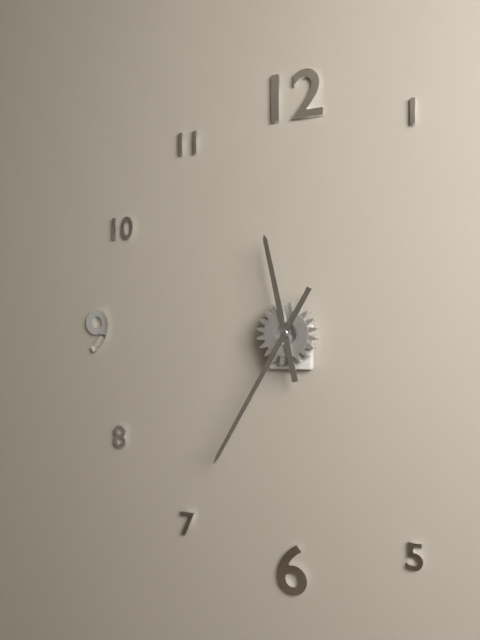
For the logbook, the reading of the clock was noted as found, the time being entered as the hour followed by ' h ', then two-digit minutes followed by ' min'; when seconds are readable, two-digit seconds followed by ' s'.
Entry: 11 h 35 min
